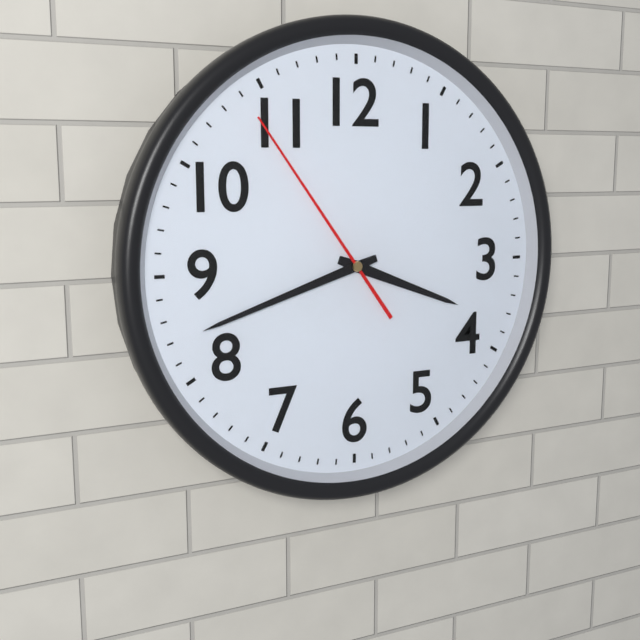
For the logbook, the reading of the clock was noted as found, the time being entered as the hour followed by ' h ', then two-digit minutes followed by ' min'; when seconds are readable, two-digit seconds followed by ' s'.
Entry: 3 h 42 min 54 s
